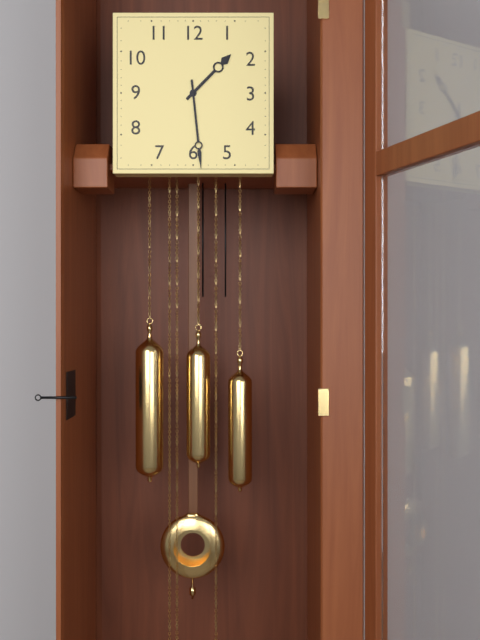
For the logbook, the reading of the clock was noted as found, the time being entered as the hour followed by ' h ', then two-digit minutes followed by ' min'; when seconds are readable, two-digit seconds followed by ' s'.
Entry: 1 h 29 min
